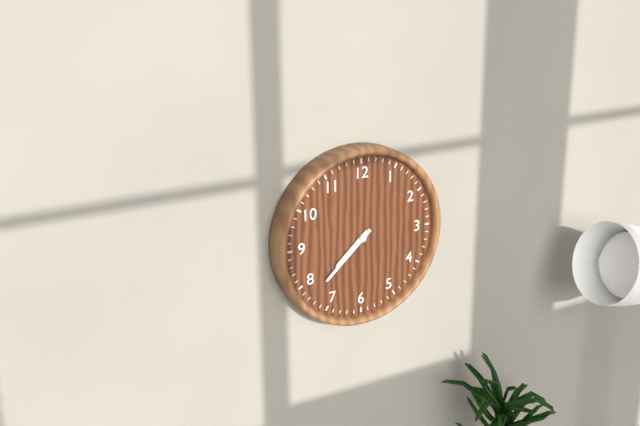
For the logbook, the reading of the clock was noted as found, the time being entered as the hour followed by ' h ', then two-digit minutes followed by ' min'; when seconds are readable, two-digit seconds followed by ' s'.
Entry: 7 h 38 min
